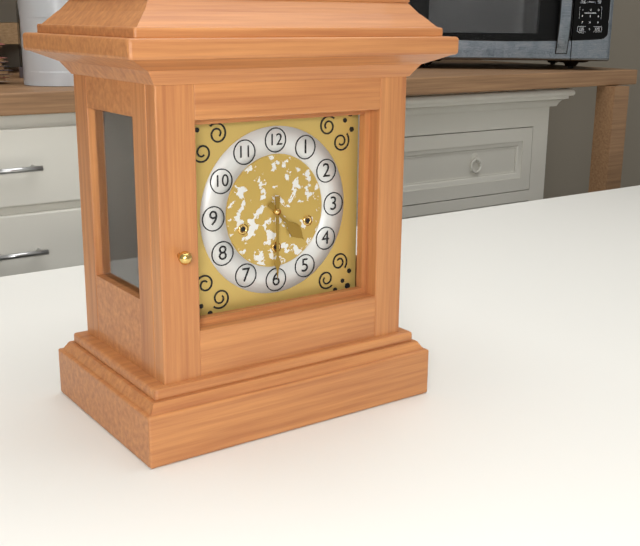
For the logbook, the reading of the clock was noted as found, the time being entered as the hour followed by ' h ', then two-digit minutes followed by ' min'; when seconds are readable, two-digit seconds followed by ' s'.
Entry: 4 h 30 min
